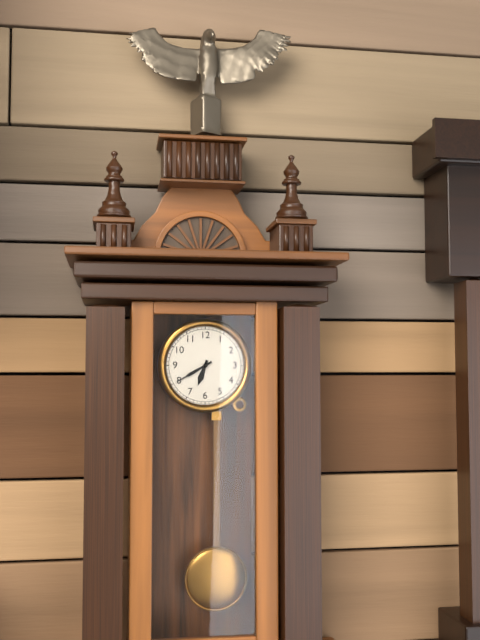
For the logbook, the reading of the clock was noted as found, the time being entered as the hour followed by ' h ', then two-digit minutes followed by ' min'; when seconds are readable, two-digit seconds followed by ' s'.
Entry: 6 h 40 min
